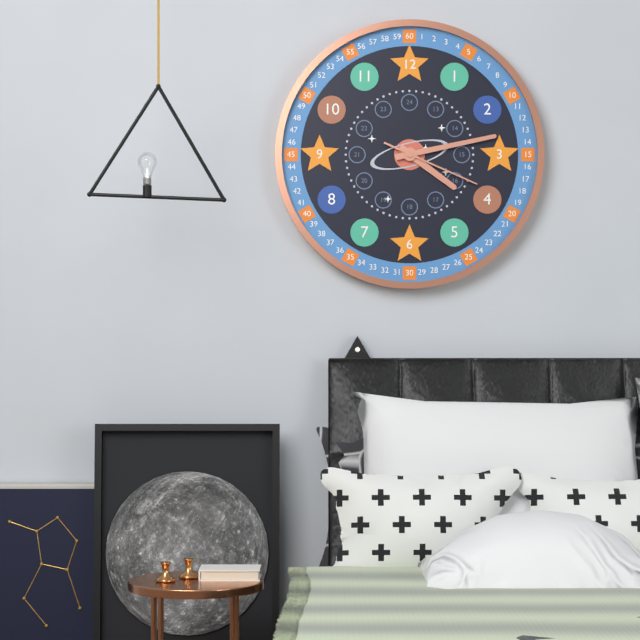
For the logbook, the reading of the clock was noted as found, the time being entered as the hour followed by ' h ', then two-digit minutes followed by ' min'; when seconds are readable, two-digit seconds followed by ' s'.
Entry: 4 h 13 min 19 s
